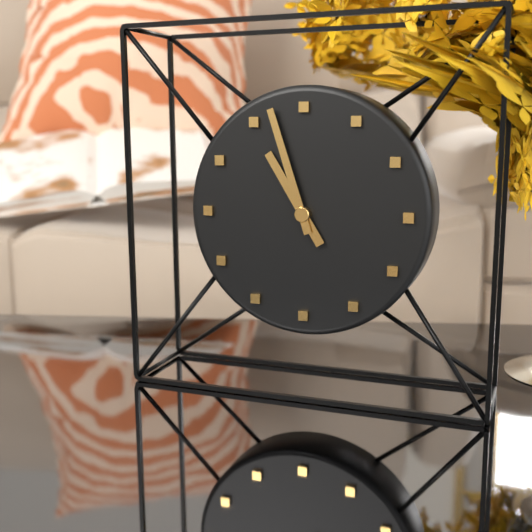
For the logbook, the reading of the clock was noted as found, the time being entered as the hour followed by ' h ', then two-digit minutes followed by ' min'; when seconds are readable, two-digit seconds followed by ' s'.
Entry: 10 h 57 min
